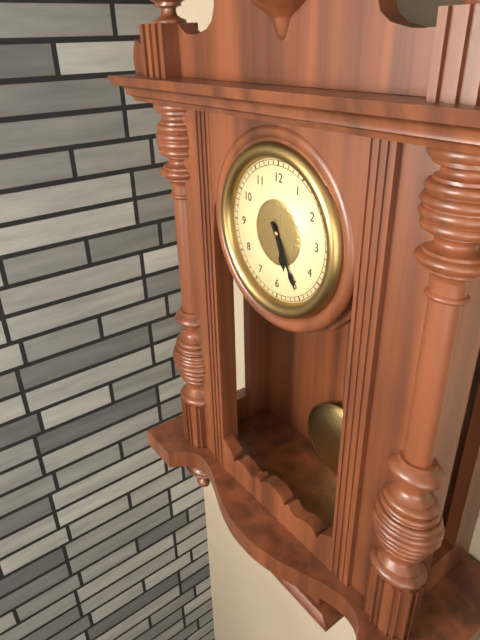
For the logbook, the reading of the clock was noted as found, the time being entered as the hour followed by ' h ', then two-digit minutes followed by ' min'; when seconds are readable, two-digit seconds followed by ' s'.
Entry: 5 h 25 min
